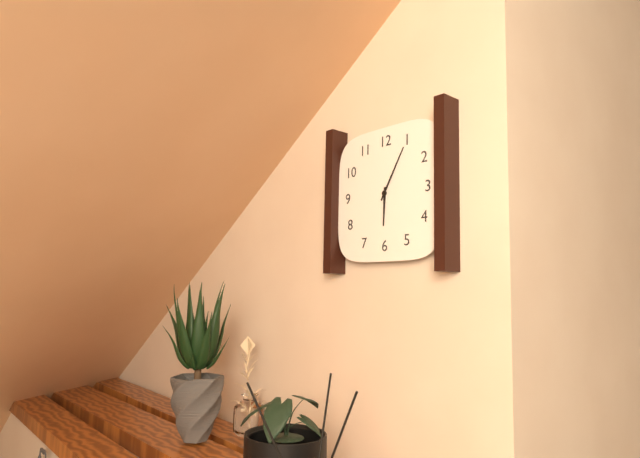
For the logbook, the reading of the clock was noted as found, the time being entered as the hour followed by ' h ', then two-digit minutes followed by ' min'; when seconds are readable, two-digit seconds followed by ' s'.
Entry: 6 h 05 min
